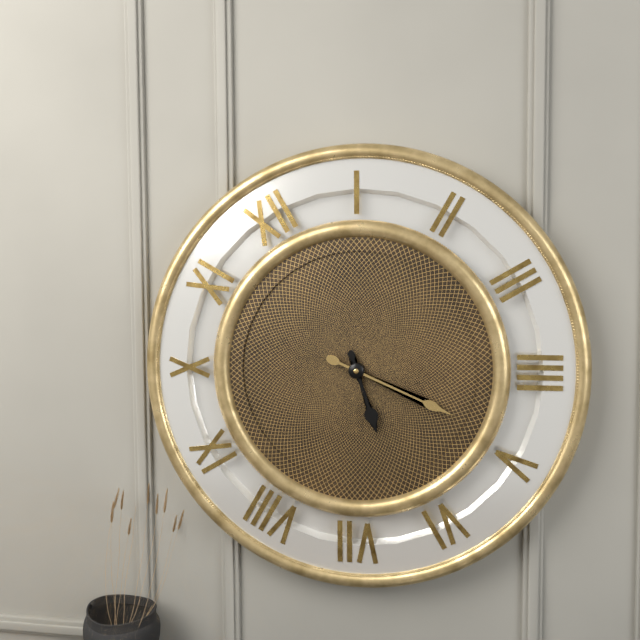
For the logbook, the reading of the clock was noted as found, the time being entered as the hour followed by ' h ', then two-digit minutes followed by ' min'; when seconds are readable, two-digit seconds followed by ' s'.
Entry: 6 h 24 min
